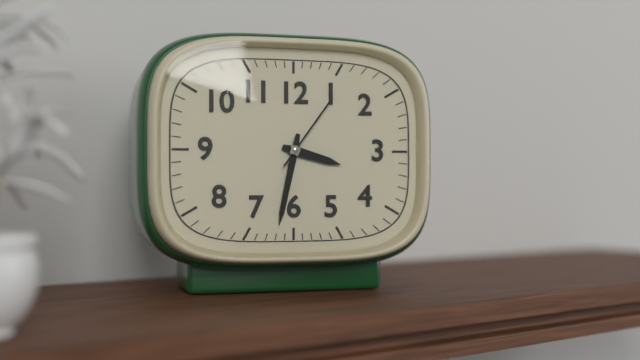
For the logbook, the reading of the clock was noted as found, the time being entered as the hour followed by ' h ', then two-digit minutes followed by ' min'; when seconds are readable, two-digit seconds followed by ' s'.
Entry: 3 h 32 min 06 s
